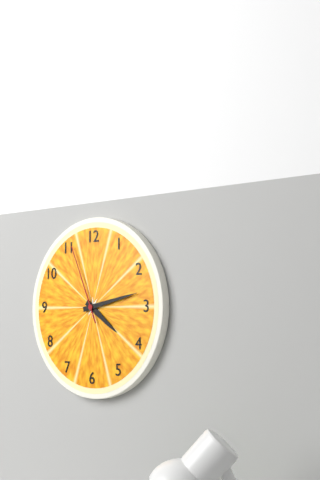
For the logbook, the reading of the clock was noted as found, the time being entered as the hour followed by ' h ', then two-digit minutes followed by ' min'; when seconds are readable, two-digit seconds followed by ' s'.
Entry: 4 h 13 min 56 s
